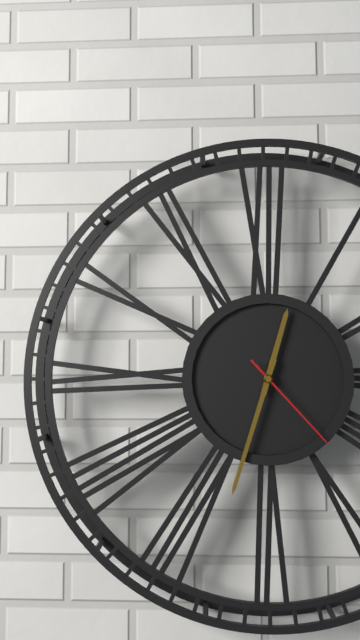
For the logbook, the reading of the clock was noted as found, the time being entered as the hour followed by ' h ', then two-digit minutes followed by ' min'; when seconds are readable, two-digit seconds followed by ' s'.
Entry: 12 h 33 min 23 s
